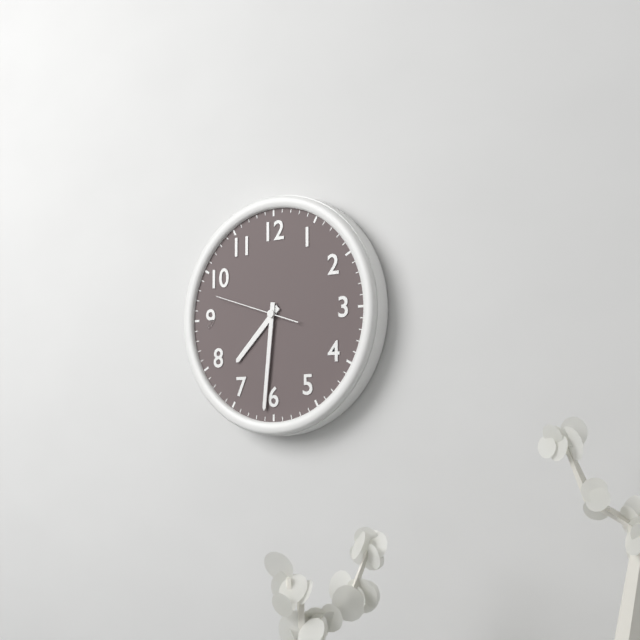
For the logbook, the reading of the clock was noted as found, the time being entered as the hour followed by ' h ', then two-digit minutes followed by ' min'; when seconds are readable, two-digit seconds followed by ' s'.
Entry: 7 h 31 min 48 s
